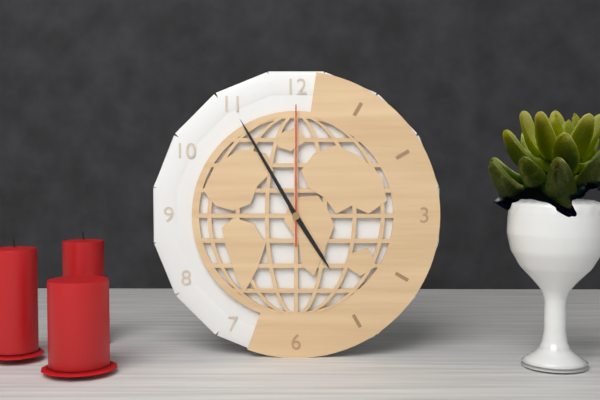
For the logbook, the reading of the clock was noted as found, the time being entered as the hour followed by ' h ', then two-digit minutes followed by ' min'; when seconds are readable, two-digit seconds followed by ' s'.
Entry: 4 h 55 min 00 s
